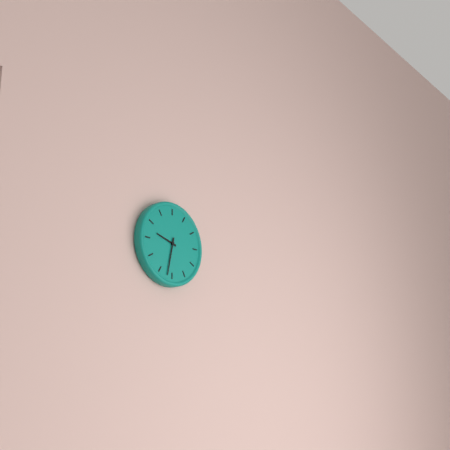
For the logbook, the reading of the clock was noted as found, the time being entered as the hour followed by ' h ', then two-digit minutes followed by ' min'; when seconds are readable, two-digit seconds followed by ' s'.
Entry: 9 h 32 min
